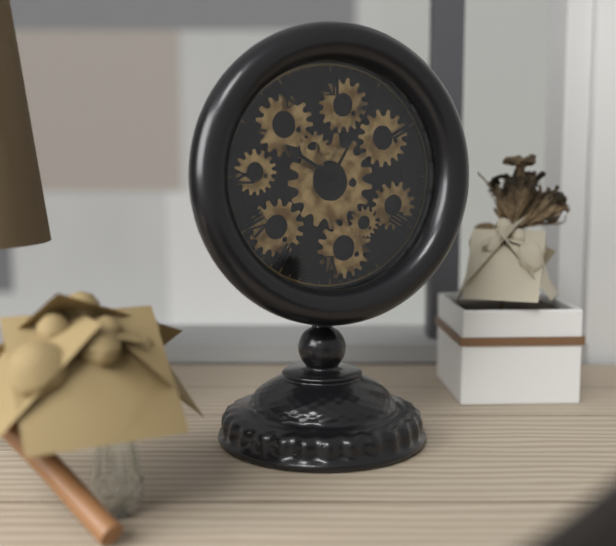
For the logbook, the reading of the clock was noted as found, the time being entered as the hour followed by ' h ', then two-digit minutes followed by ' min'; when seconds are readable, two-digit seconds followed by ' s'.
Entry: 10 h 05 min
